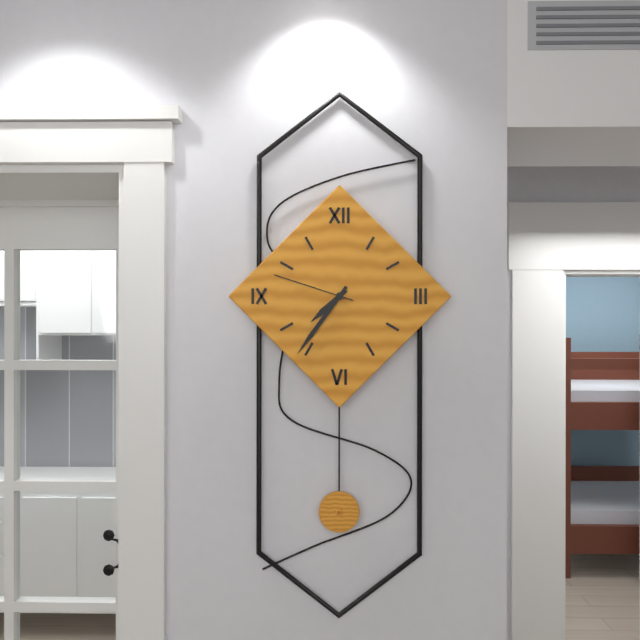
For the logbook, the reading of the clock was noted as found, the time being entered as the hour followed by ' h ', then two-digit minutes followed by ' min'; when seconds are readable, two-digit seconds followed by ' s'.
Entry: 7 h 36 min 48 s
